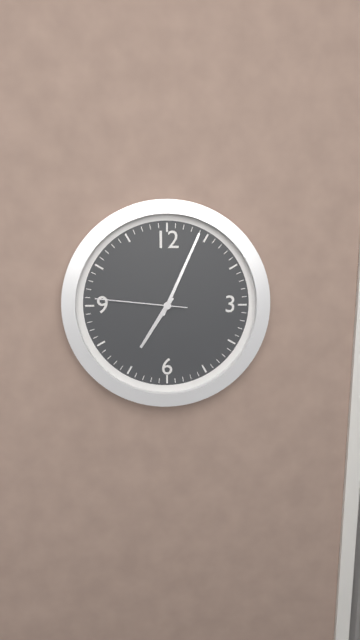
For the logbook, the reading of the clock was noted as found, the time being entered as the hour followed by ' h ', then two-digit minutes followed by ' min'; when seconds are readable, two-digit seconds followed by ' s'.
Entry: 7 h 04 min 46 s
